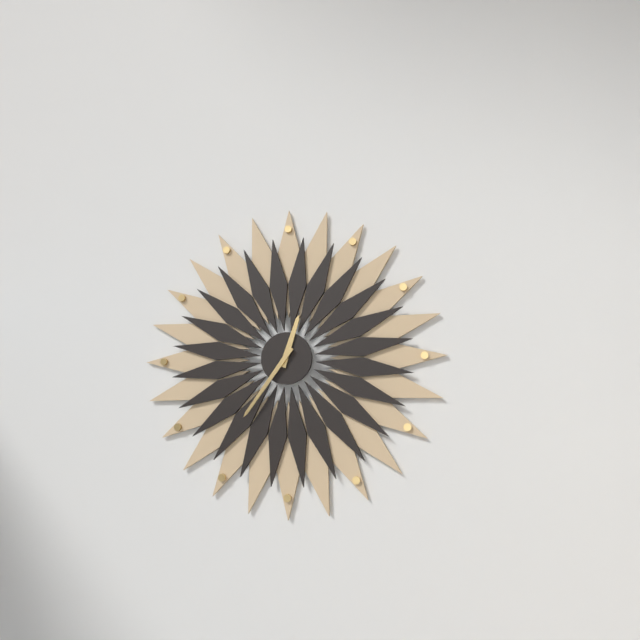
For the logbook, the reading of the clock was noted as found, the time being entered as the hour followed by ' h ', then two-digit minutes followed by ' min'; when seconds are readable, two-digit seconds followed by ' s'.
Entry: 12 h 36 min
